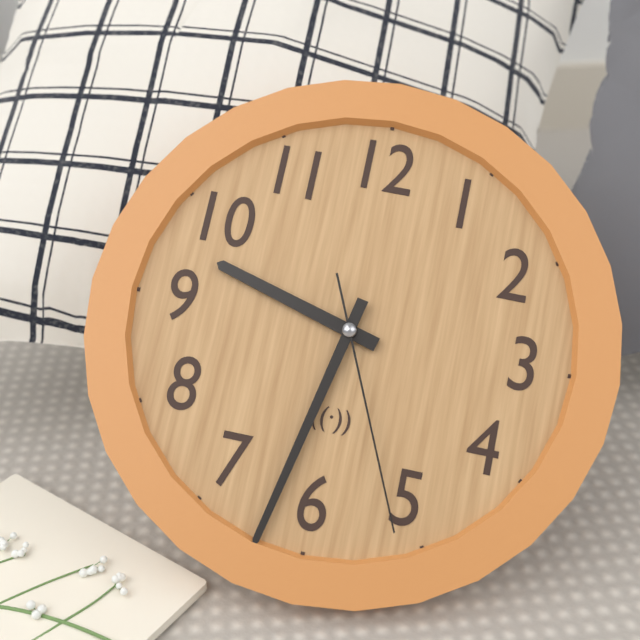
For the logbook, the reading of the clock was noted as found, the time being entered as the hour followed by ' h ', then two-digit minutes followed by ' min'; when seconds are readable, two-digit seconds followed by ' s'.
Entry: 9 h 32 min 26 s
